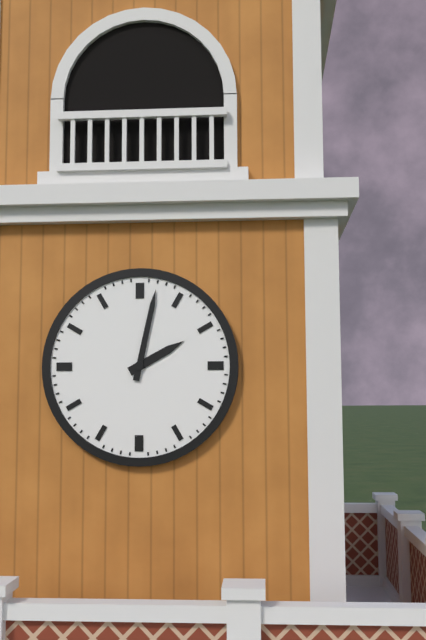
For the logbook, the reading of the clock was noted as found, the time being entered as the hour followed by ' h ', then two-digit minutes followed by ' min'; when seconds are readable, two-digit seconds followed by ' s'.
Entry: 2 h 02 min
